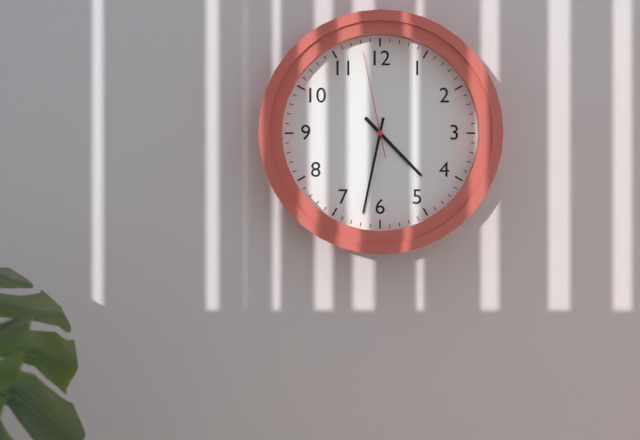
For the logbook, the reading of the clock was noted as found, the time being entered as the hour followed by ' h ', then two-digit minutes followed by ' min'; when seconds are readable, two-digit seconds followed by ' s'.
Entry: 4 h 32 min 58 s
